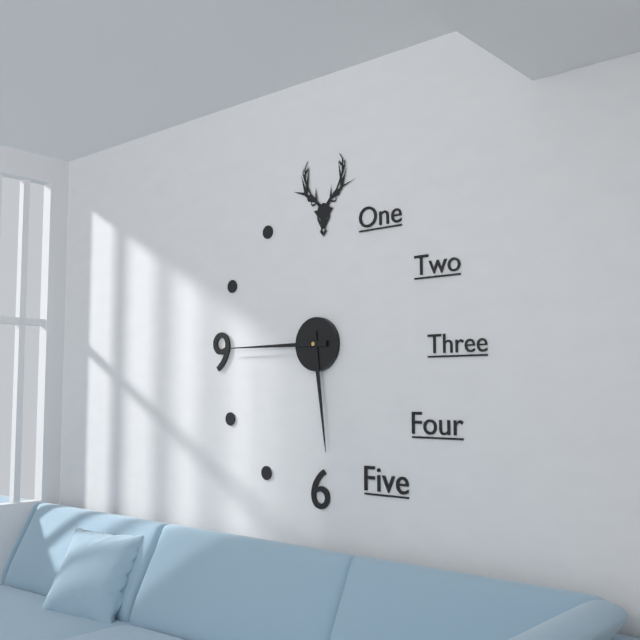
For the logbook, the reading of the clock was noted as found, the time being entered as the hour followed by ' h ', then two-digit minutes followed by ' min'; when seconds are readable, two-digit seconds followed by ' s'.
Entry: 5 h 45 min
